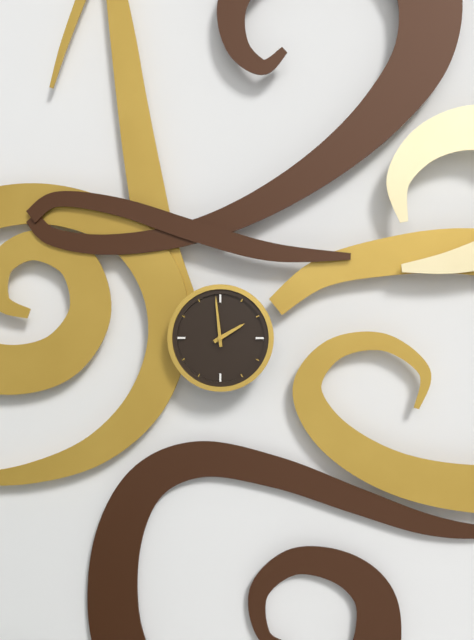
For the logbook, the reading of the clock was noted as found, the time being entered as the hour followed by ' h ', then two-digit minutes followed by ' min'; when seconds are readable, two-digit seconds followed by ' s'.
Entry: 1 h 59 min
